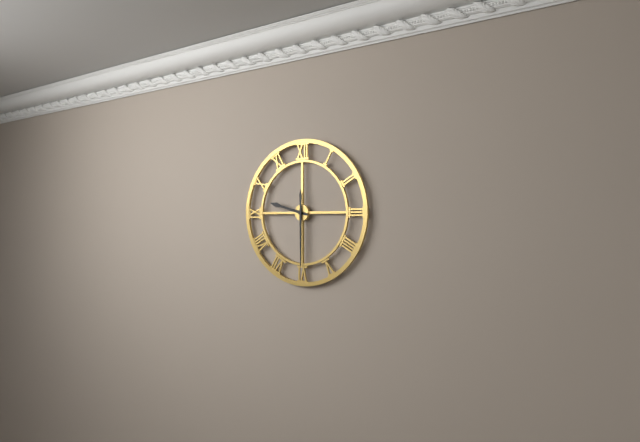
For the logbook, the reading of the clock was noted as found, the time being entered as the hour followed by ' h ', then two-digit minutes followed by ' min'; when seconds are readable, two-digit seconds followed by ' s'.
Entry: 9 h 30 min
